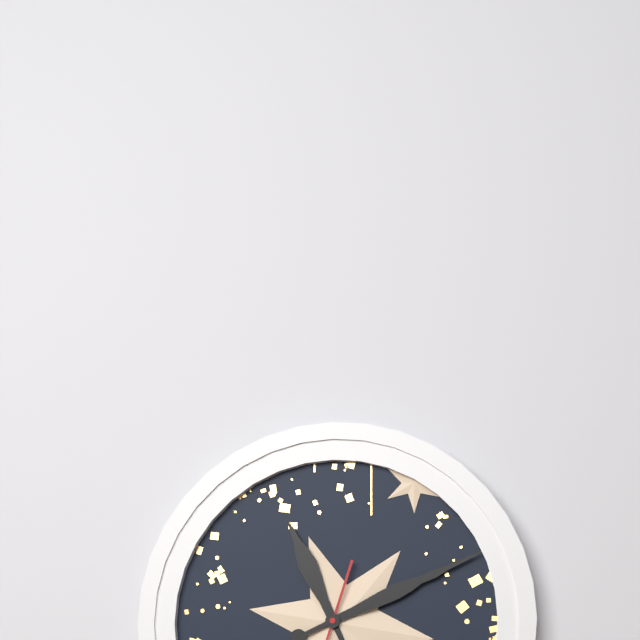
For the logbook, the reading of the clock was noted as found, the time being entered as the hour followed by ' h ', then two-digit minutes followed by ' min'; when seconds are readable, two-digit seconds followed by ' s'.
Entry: 11 h 11 min
